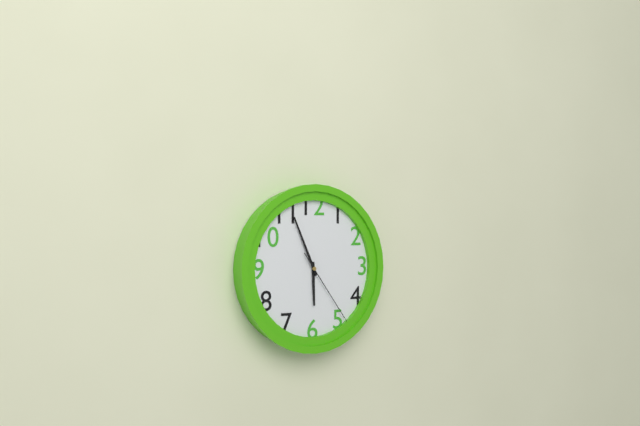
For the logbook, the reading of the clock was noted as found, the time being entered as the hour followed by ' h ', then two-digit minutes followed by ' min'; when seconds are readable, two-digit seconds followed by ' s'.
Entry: 5 h 56 min 24 s
